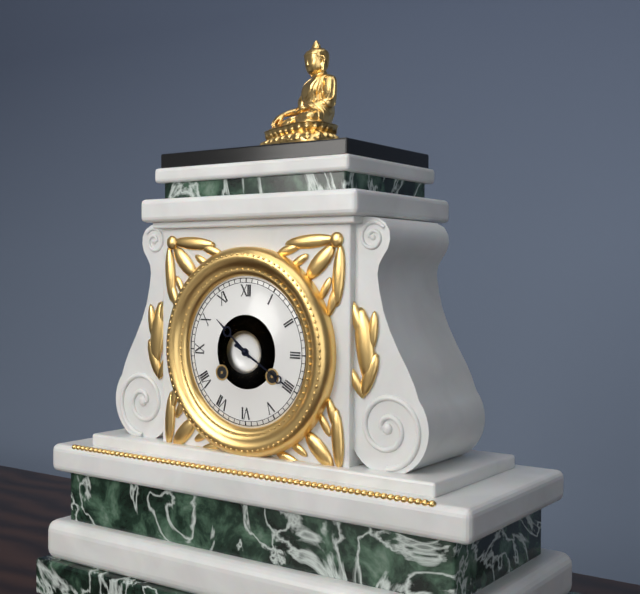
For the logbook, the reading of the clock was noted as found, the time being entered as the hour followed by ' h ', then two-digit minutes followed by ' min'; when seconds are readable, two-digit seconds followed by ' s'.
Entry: 10 h 20 min
